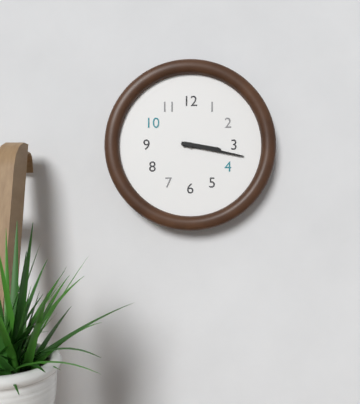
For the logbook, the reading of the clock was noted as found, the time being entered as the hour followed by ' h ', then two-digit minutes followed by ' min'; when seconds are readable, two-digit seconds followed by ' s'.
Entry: 3 h 17 min
